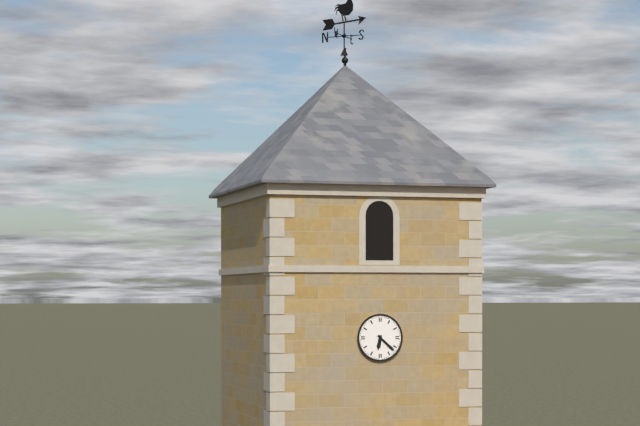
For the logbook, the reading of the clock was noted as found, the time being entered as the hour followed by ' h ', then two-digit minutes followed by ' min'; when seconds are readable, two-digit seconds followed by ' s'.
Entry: 6 h 22 min
